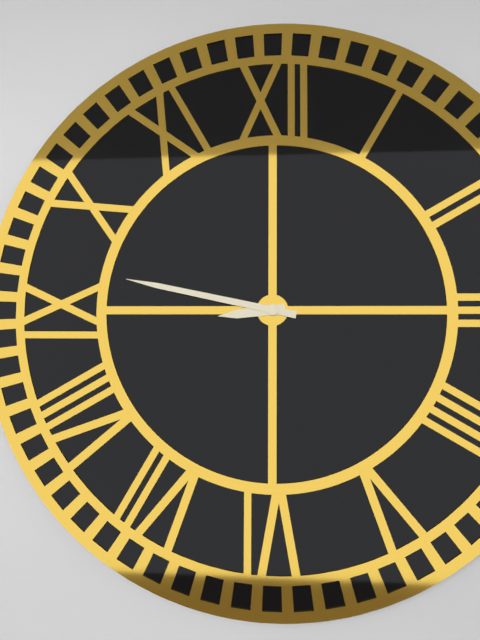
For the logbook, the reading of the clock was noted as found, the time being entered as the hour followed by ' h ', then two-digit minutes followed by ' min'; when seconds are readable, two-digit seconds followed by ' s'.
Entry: 8 h 47 min
